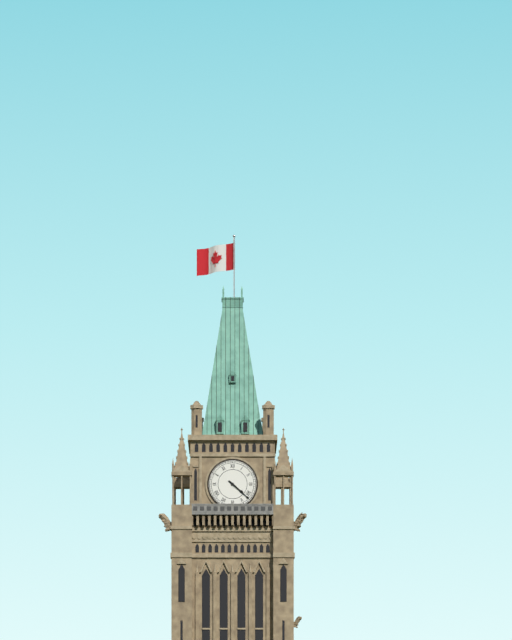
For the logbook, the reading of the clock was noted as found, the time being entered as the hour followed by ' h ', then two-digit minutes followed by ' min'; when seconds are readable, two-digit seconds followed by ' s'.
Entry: 4 h 22 min
